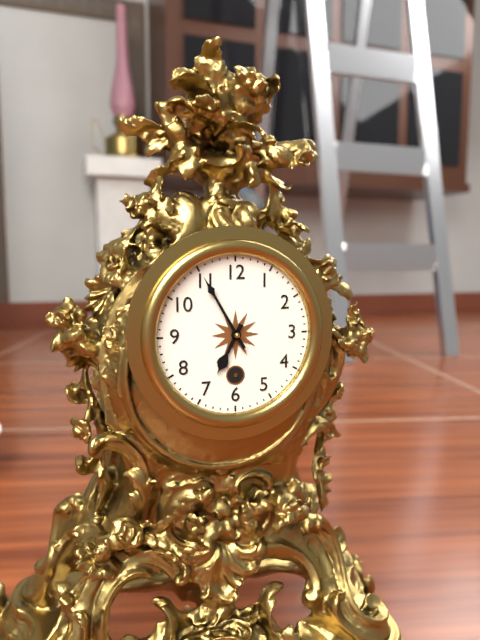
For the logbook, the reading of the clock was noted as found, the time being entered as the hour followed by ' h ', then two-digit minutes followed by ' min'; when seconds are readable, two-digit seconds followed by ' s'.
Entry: 6 h 55 min
